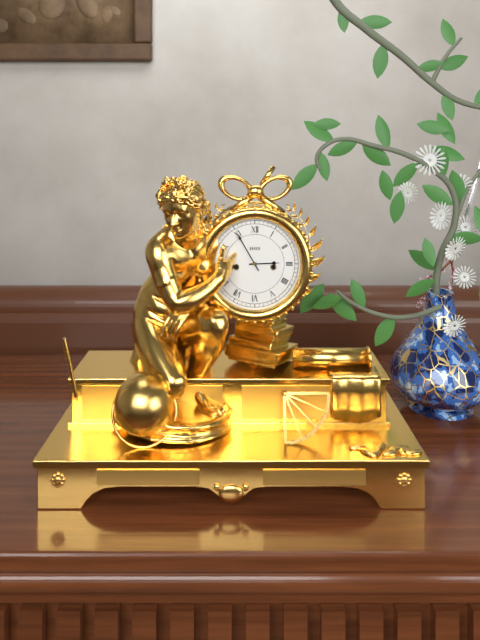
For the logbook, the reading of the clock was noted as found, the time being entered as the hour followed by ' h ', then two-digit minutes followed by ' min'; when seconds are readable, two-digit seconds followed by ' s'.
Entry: 2 h 55 min
